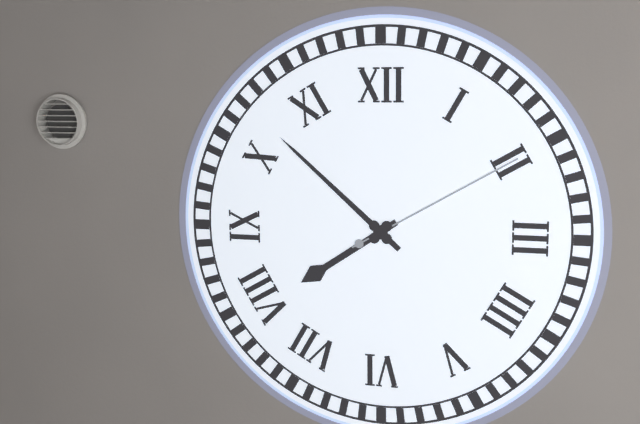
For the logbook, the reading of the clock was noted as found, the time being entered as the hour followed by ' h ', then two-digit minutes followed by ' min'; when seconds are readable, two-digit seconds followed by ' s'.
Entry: 7 h 52 min 10 s
